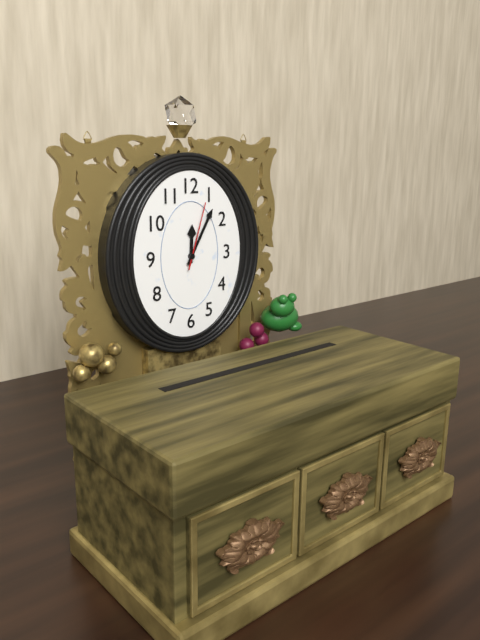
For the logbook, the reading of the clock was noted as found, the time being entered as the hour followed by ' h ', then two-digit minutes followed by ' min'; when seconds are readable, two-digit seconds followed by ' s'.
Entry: 12 h 05 min 03 s
